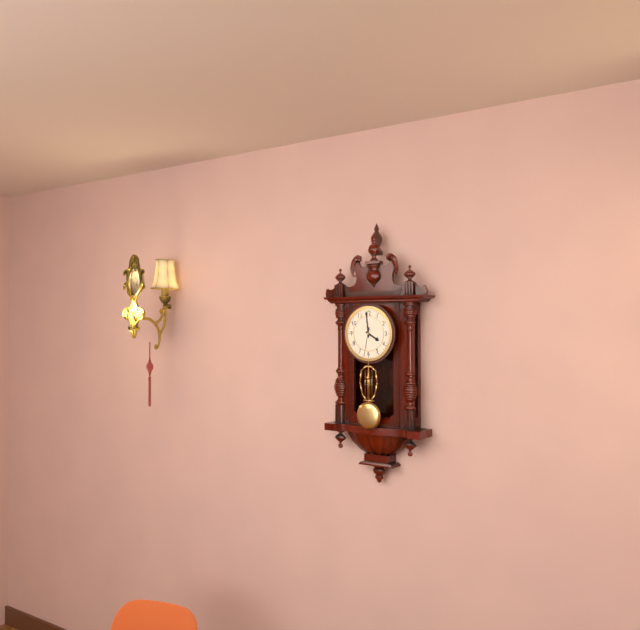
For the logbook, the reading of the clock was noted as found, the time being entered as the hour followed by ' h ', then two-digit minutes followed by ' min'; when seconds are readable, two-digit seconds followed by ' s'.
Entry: 3 h 59 min
